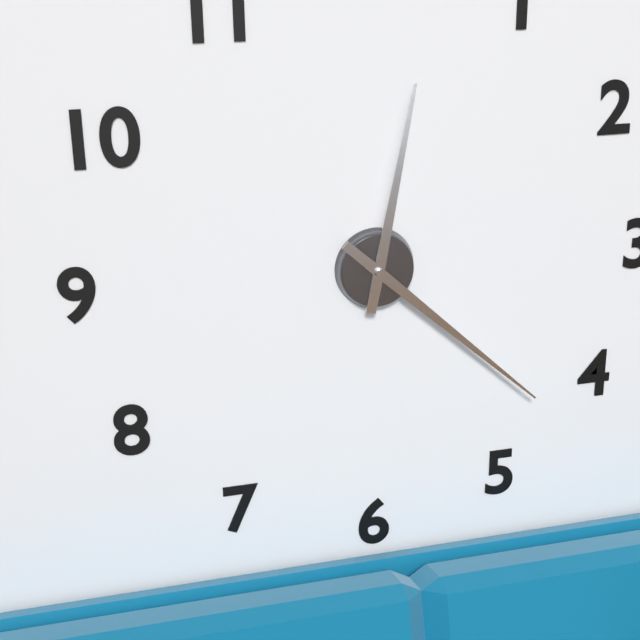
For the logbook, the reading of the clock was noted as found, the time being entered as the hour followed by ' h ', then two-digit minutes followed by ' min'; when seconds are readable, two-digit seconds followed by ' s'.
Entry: 12 h 22 min
